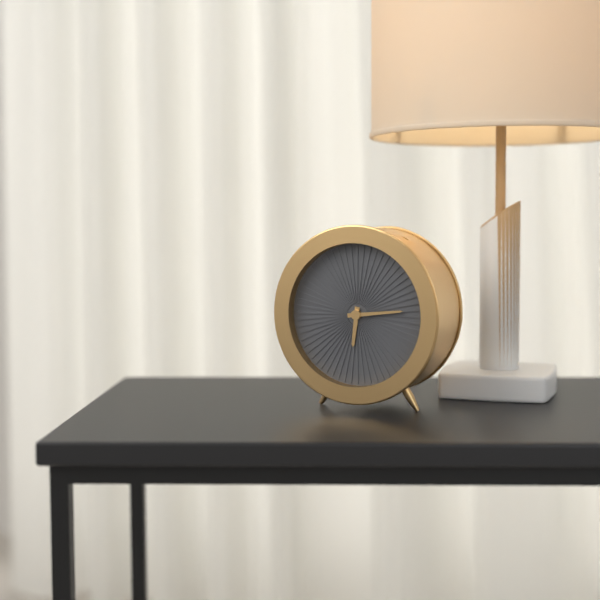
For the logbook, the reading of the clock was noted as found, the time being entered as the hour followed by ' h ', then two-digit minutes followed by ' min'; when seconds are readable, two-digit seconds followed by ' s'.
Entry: 6 h 14 min
